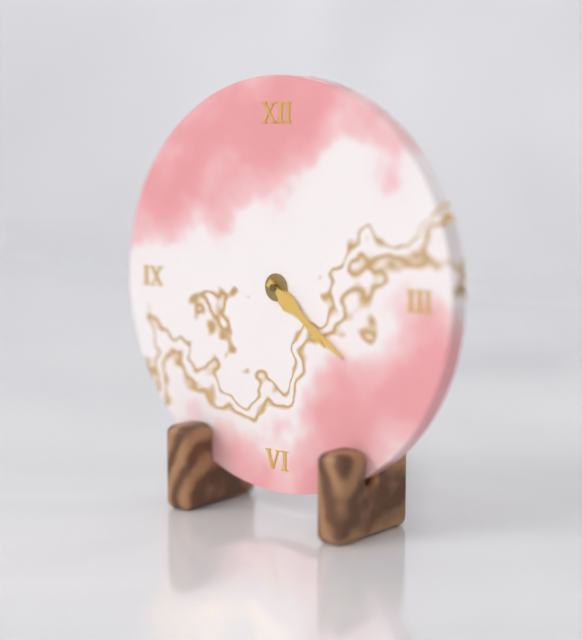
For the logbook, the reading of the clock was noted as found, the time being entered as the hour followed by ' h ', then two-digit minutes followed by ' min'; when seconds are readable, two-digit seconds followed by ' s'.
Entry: 4 h 21 min
